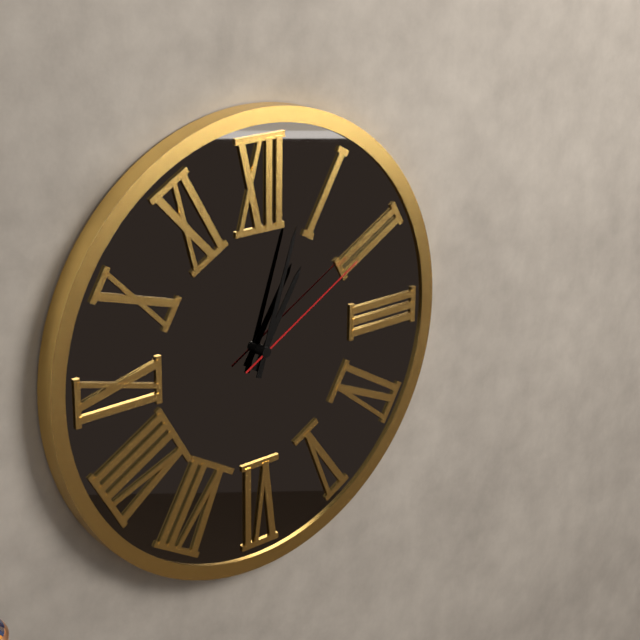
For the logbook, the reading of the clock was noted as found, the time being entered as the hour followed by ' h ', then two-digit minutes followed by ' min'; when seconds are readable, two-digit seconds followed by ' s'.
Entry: 1 h 03 min 10 s
